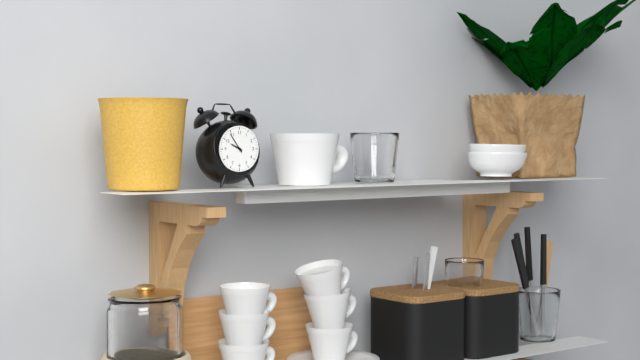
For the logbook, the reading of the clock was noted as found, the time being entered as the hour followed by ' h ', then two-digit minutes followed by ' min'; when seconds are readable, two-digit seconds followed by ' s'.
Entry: 9 h 54 min
